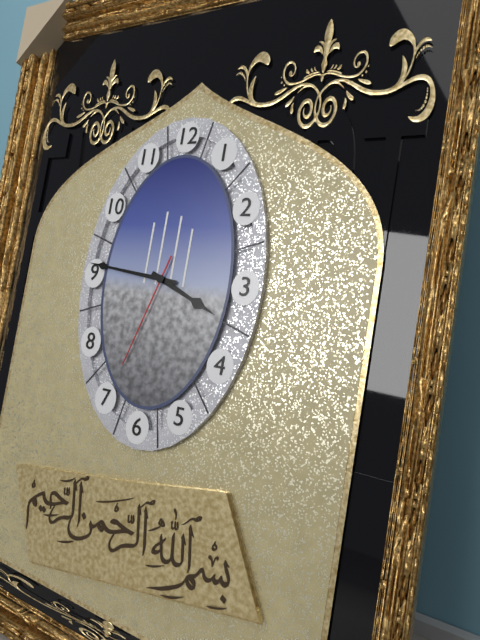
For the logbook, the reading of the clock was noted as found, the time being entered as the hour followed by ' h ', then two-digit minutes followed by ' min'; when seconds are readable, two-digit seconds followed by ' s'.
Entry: 3 h 46 min 33 s
